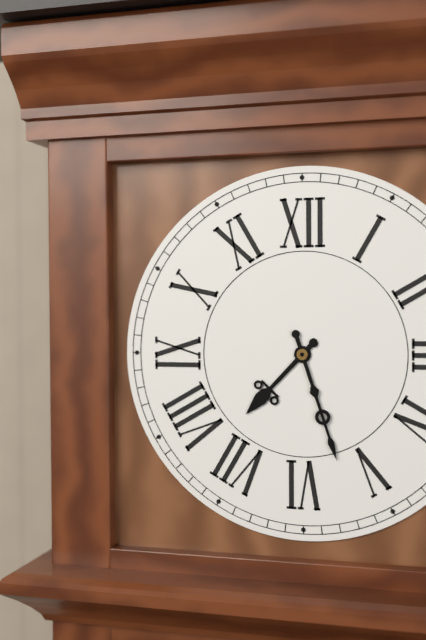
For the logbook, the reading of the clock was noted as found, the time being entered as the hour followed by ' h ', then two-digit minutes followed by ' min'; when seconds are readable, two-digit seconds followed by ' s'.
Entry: 7 h 27 min
